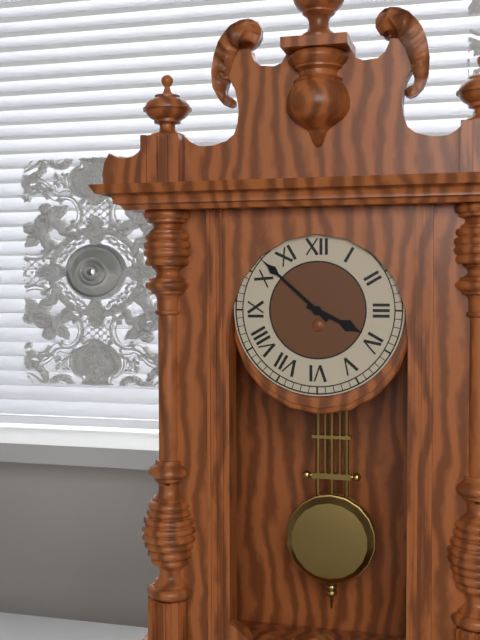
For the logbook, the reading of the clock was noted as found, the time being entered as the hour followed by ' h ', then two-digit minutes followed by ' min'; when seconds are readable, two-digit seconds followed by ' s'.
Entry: 3 h 52 min
